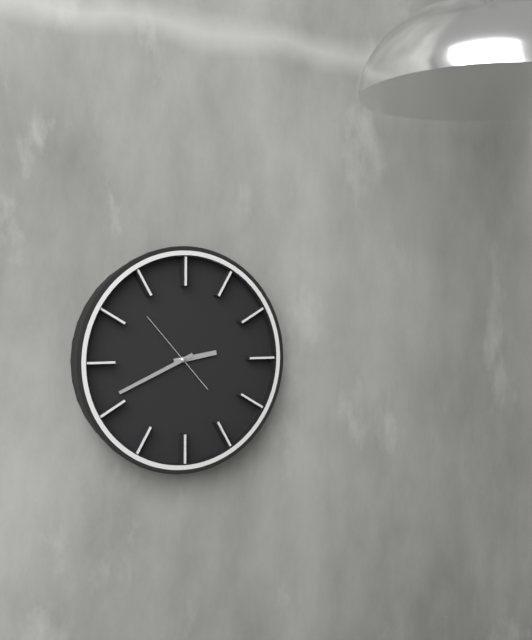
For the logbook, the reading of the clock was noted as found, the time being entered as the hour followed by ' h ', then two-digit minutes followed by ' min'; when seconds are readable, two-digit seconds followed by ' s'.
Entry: 2 h 41 min 53 s
